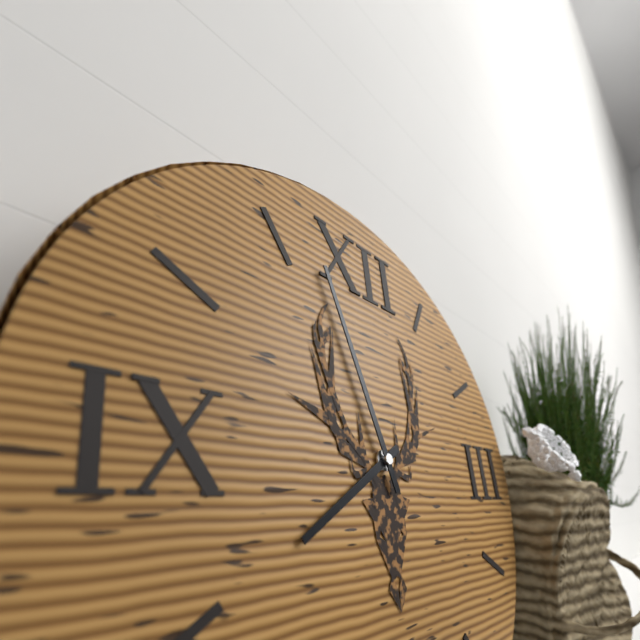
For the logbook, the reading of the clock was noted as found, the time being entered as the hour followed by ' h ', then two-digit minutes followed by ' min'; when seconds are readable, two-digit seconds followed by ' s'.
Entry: 7 h 57 min
